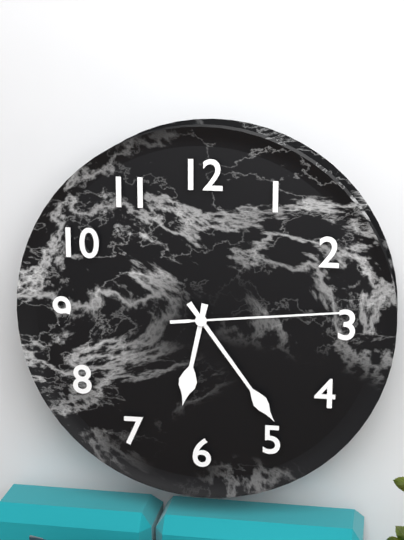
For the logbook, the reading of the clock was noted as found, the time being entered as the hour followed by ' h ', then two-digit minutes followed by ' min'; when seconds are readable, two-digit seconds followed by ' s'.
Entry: 6 h 24 min 14 s
